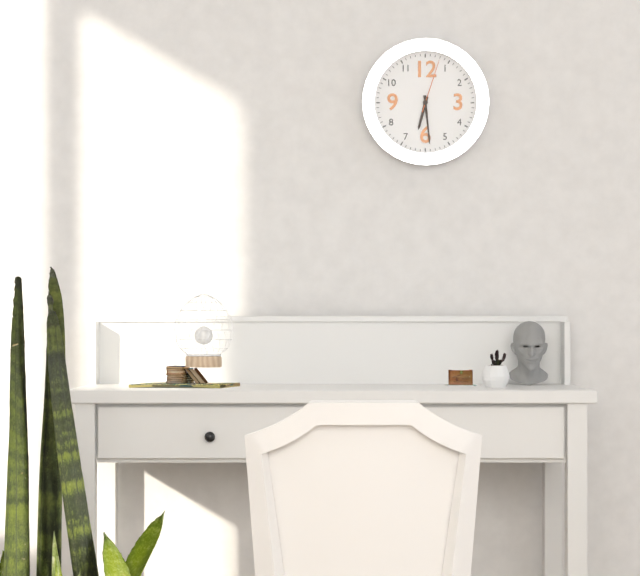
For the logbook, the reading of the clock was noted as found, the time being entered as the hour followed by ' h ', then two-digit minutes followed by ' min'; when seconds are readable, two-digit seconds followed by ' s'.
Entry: 6 h 29 min 03 s
